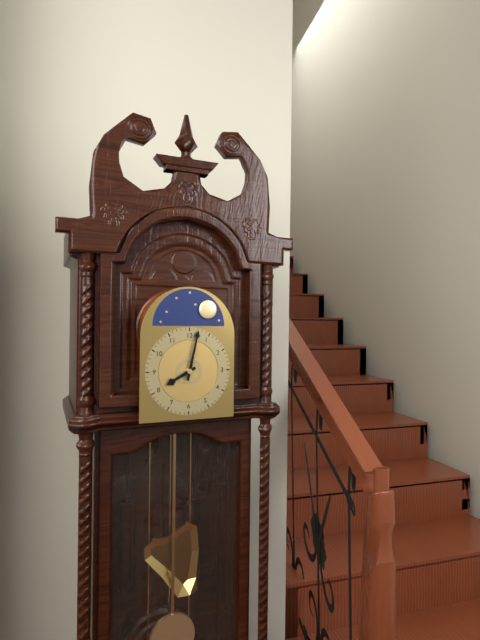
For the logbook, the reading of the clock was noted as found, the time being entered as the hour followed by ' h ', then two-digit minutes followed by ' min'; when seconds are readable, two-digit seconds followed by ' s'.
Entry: 8 h 02 min
